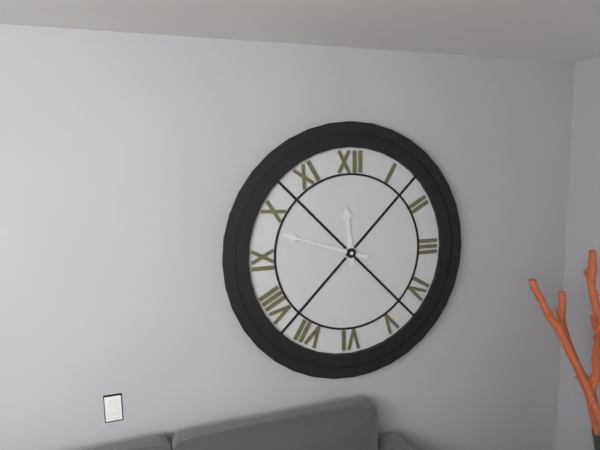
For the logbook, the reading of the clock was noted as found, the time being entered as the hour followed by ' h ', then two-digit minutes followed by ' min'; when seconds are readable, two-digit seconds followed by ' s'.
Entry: 11 h 48 min
